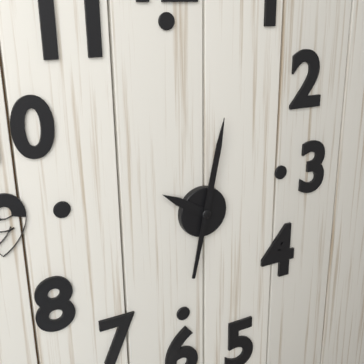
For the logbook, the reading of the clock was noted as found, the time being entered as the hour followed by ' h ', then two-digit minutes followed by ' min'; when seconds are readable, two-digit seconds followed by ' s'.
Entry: 10 h 02 min
